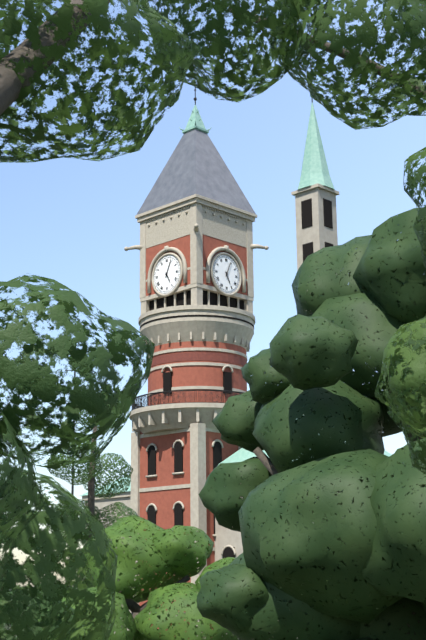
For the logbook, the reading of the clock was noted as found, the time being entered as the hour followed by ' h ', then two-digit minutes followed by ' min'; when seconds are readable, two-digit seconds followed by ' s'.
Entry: 5 h 04 min
